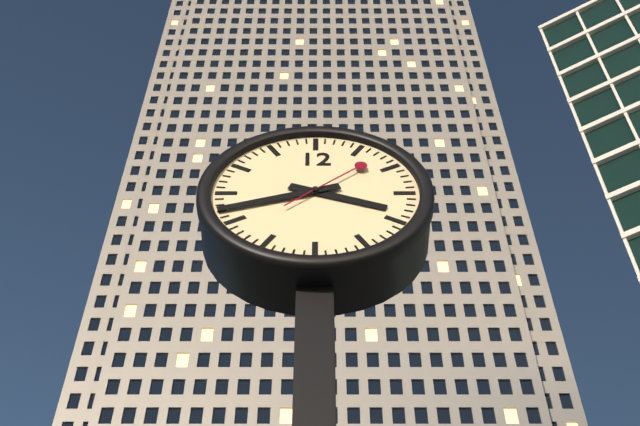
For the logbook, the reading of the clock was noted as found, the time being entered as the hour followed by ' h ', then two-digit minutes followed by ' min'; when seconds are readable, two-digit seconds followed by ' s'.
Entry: 3 h 42 min 08 s
